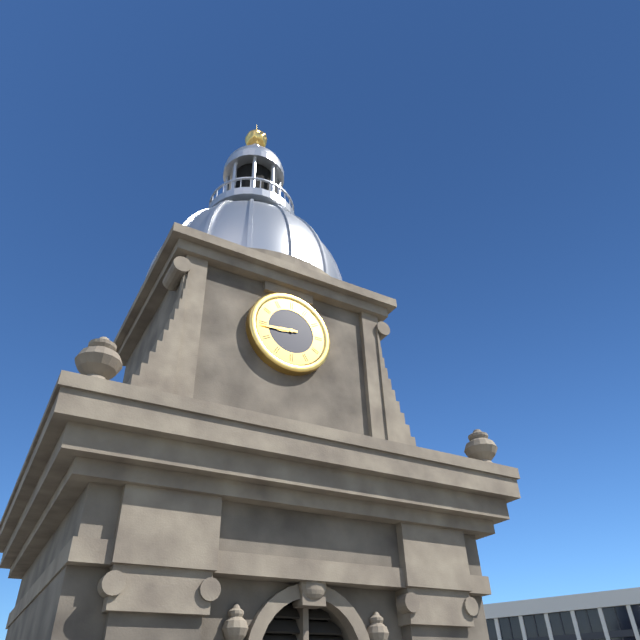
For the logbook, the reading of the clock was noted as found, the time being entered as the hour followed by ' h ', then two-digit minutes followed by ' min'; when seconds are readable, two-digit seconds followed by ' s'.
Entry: 8 h 44 min
